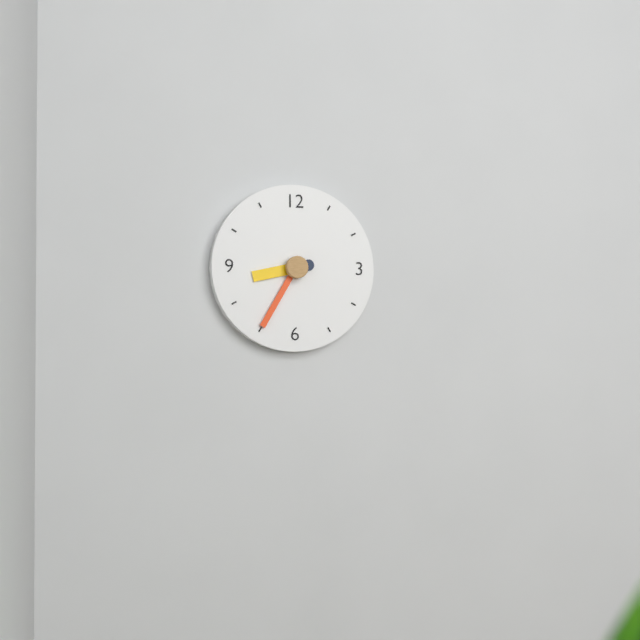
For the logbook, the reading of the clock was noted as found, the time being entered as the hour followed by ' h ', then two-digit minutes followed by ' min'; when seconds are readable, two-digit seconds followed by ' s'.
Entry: 8 h 35 min
